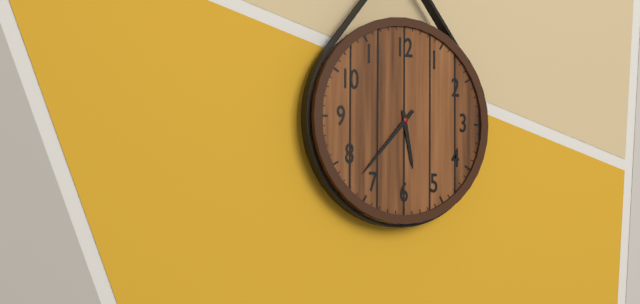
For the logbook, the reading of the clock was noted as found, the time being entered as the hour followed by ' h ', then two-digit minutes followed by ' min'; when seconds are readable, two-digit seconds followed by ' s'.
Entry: 5 h 37 min
